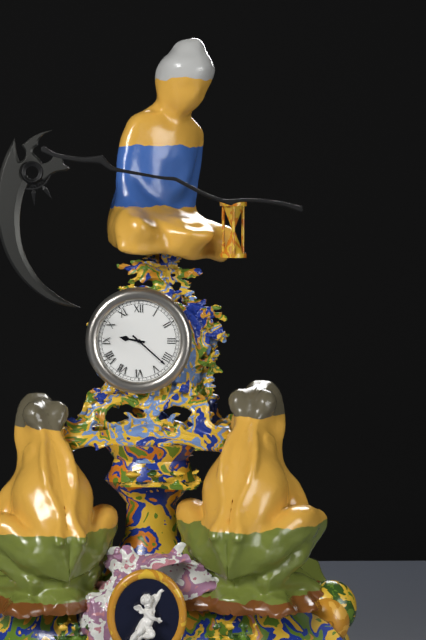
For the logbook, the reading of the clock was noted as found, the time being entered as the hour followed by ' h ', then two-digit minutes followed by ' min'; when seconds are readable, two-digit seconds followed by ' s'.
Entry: 9 h 22 min
